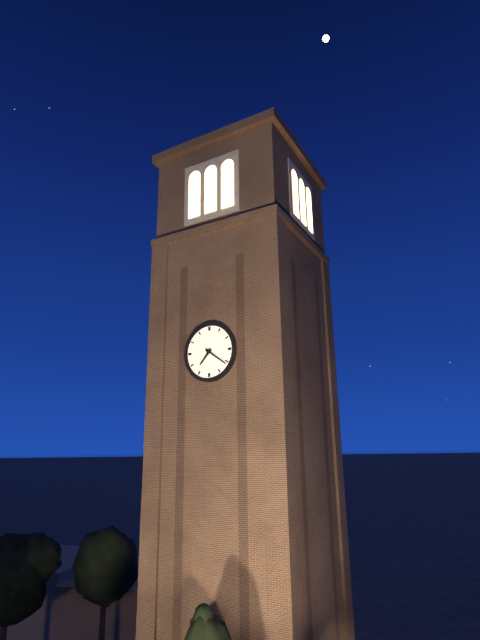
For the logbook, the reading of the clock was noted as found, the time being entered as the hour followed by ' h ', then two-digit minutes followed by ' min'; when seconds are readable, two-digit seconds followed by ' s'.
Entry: 7 h 21 min
